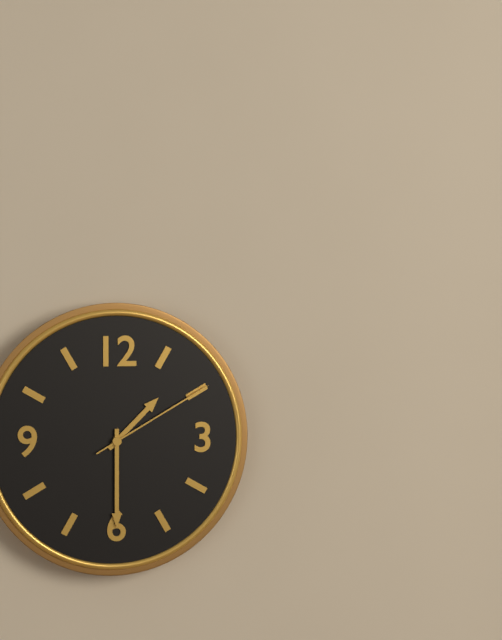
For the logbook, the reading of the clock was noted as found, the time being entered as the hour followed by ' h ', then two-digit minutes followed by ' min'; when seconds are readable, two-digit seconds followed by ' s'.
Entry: 1 h 30 min 10 s
